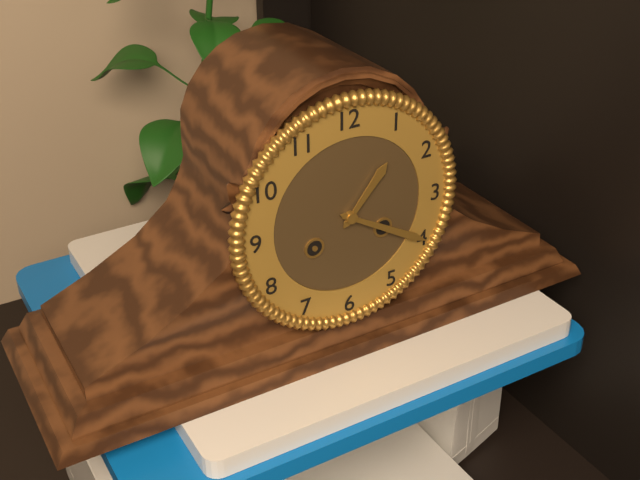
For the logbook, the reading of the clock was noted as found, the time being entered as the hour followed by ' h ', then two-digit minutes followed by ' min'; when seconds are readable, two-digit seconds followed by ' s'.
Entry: 1 h 20 min
